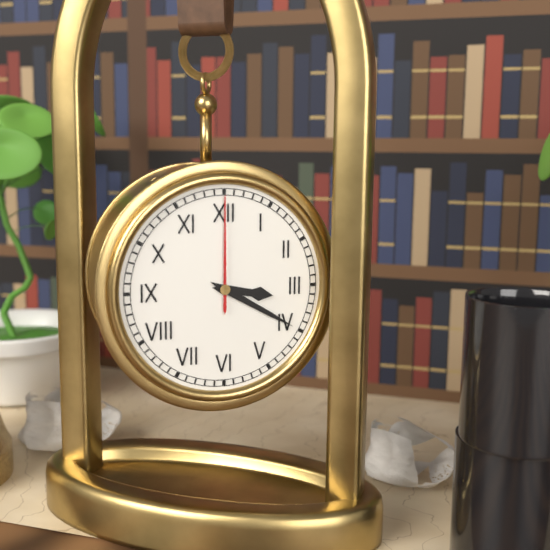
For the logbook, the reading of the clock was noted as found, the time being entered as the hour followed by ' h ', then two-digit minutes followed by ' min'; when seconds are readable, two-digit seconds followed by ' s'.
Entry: 3 h 20 min 00 s
